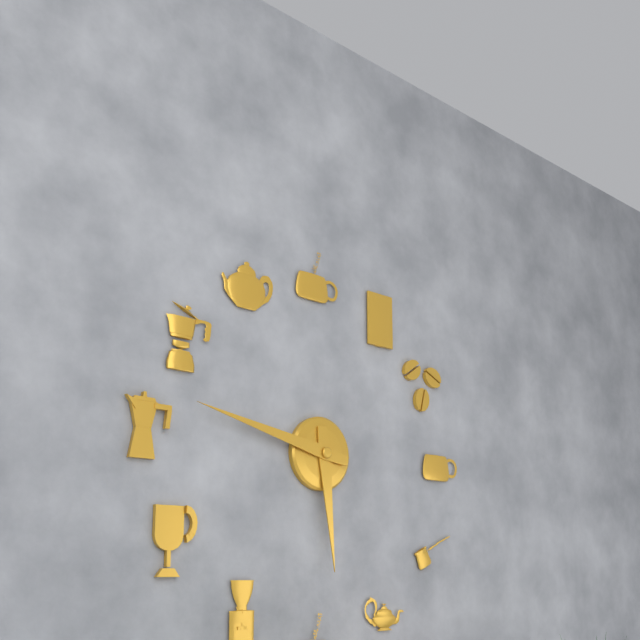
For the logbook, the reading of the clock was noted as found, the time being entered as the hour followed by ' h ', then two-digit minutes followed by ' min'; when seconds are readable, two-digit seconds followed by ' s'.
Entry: 5 h 47 min
